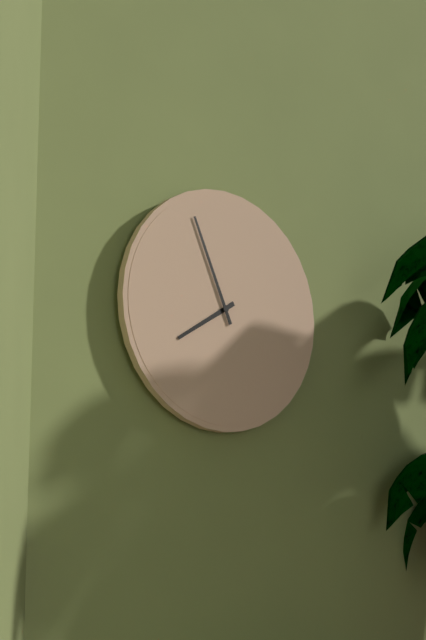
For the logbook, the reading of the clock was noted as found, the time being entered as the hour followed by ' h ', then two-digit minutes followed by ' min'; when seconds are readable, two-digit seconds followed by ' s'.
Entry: 7 h 56 min
